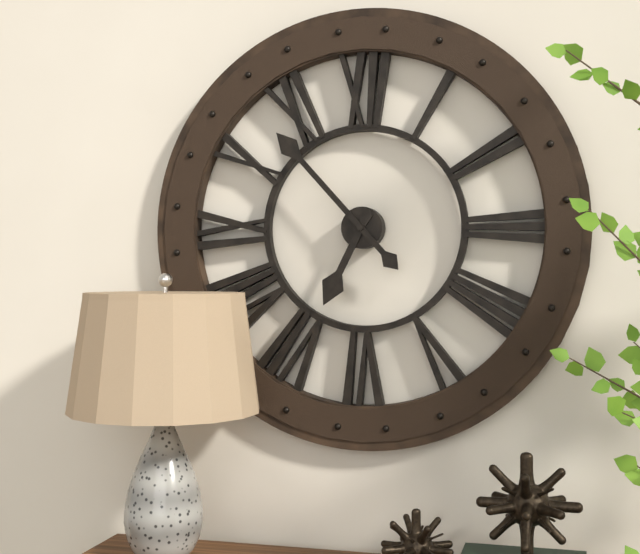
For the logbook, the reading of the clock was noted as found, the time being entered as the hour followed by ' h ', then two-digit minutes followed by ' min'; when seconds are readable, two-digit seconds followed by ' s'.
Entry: 6 h 53 min
